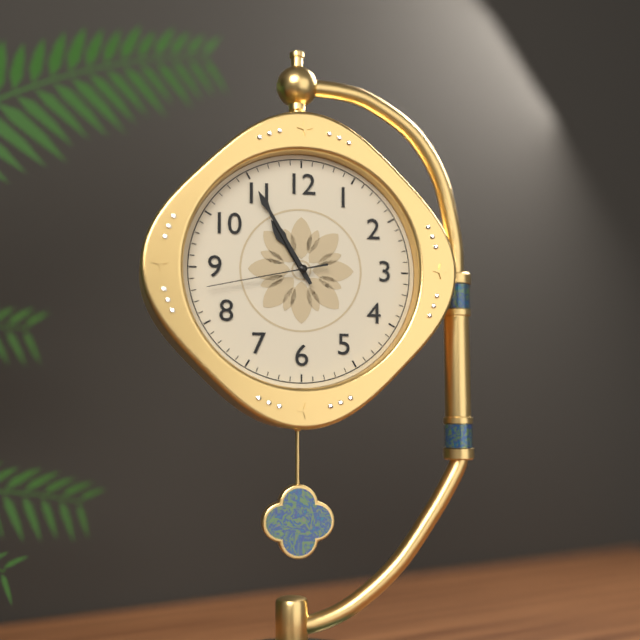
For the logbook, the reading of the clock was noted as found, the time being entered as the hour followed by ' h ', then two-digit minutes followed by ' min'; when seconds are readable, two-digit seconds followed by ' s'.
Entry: 10 h 55 min 43 s
